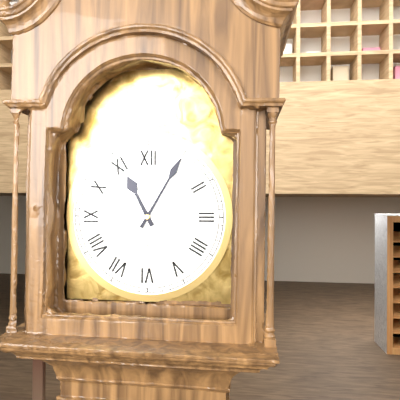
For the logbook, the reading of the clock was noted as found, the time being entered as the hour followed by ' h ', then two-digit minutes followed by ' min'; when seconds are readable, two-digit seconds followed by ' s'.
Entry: 11 h 05 min
